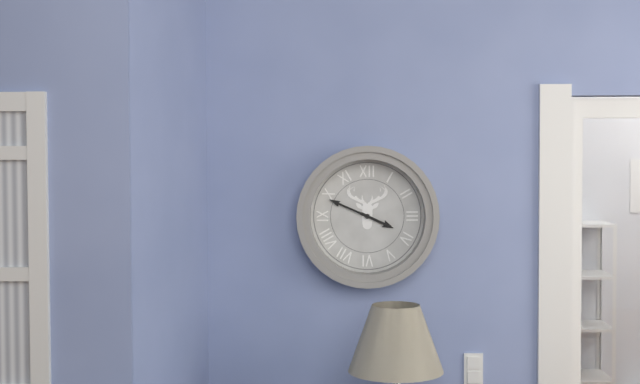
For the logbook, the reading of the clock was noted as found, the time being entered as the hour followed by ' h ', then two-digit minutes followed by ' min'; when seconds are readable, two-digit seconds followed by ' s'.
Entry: 3 h 49 min
